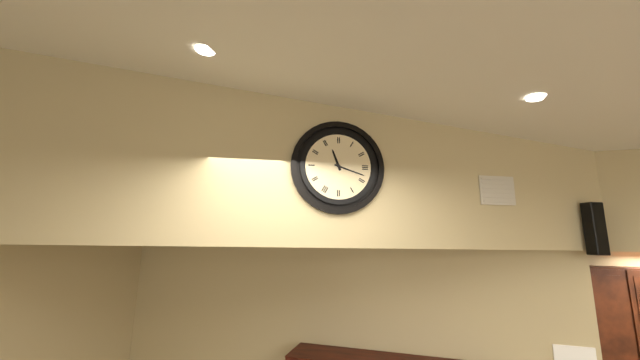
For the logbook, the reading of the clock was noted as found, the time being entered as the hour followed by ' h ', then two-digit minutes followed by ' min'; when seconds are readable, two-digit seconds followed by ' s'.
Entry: 11 h 18 min
